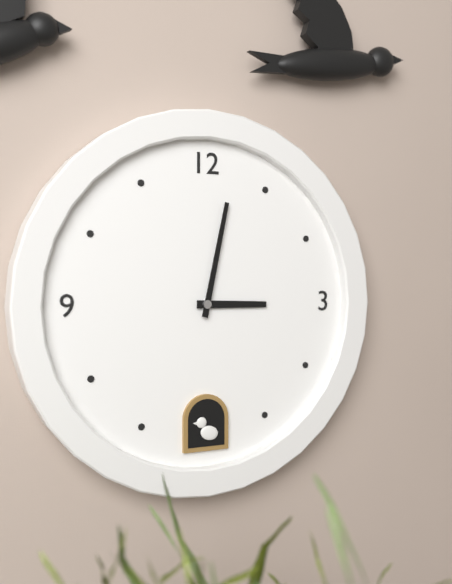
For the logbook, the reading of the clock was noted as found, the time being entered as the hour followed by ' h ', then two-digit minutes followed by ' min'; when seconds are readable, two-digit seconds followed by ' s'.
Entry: 3 h 02 min
